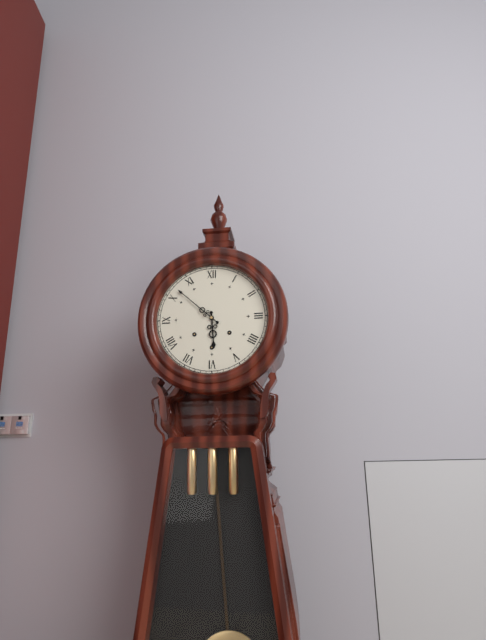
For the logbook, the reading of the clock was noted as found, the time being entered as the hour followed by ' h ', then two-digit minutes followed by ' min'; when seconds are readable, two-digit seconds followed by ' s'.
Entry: 5 h 52 min
